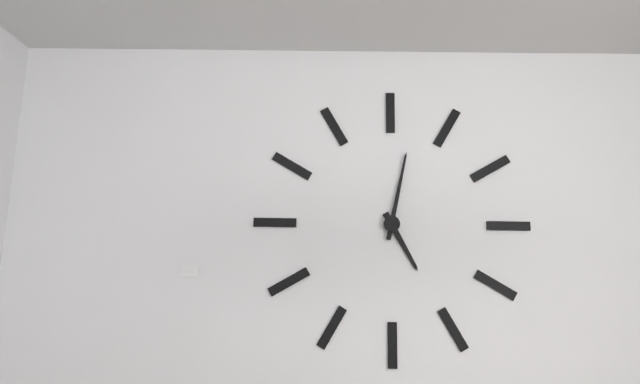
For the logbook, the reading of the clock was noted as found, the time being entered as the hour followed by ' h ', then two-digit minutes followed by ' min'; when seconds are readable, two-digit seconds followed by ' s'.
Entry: 5 h 02 min
